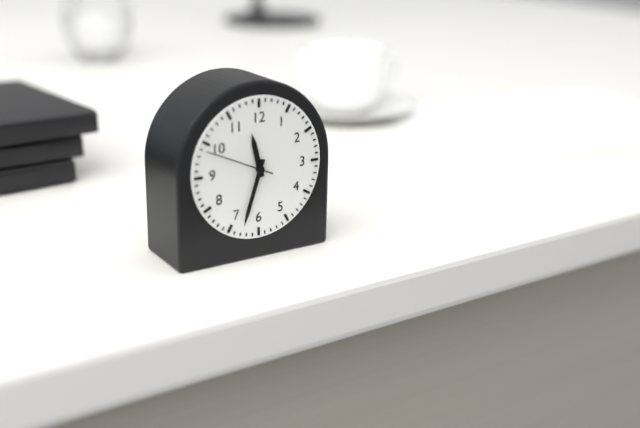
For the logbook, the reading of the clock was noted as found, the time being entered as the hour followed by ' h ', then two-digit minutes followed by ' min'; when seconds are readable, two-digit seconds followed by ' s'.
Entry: 11 h 33 min
